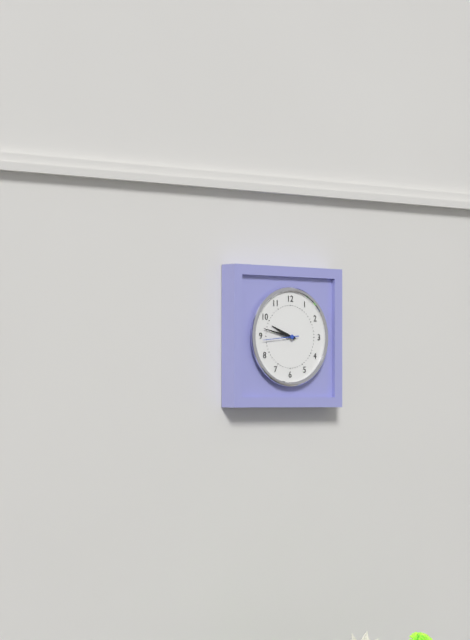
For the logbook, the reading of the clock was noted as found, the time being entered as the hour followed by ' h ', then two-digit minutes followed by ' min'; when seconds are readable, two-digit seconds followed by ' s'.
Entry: 9 h 47 min
